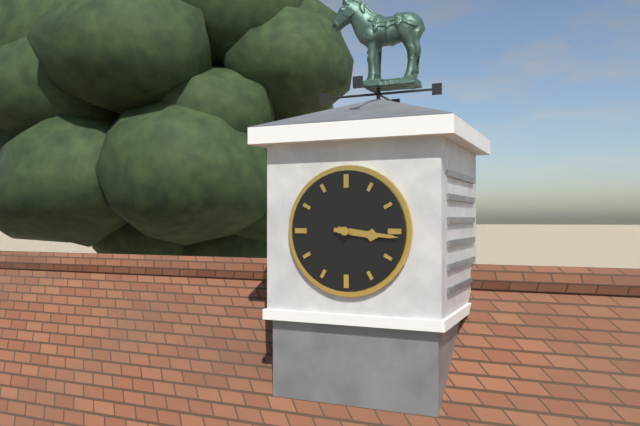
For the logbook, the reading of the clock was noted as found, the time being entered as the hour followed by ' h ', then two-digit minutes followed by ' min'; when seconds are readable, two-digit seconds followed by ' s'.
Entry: 3 h 16 min
